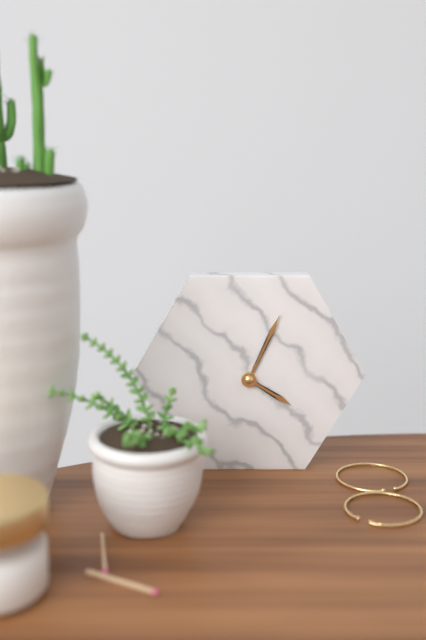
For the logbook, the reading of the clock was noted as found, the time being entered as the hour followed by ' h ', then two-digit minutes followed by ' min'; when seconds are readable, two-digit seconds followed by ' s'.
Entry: 4 h 04 min
